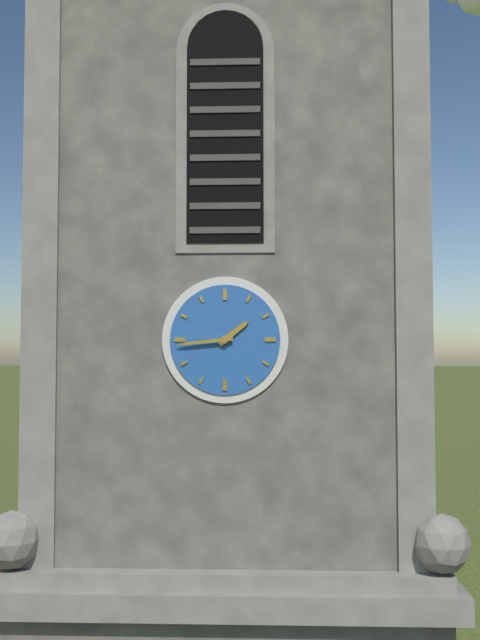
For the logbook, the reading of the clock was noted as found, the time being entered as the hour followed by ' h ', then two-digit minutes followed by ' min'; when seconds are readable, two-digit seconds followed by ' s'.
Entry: 1 h 44 min
